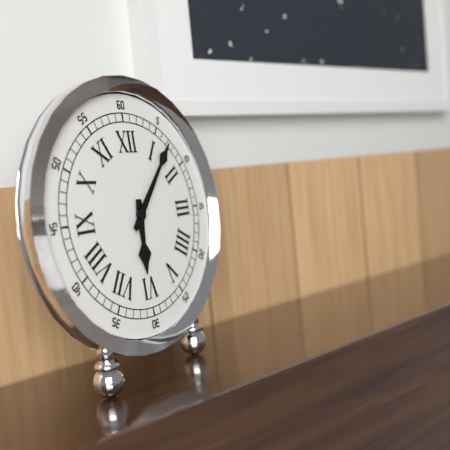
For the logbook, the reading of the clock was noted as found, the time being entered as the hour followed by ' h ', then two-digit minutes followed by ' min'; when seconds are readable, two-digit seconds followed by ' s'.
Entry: 6 h 07 min
